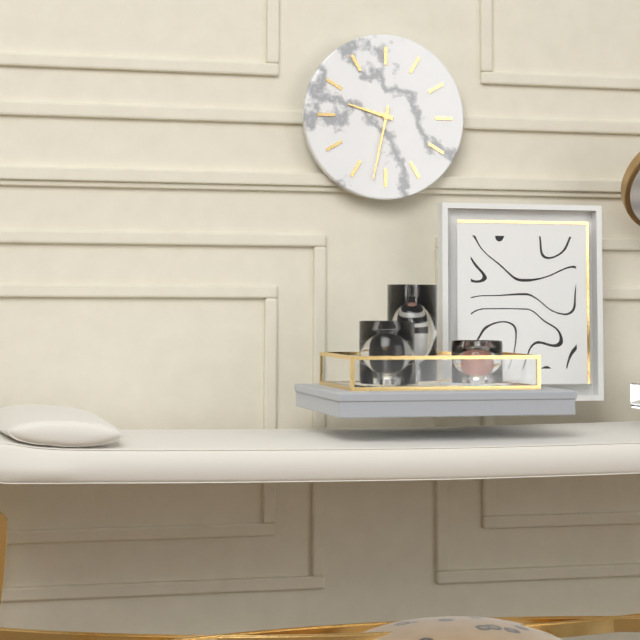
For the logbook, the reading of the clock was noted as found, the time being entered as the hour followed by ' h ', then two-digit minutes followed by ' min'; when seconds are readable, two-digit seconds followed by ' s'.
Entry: 9 h 32 min
